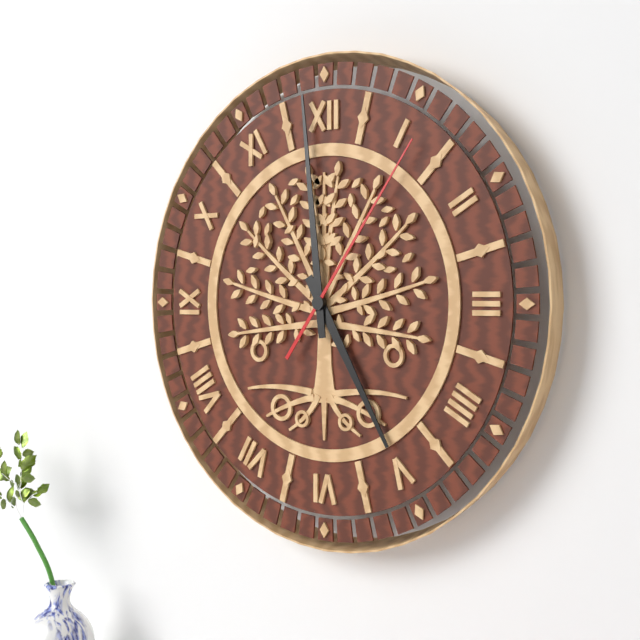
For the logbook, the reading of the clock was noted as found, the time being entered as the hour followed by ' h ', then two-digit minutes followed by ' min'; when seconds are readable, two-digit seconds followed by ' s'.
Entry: 4 h 59 min 06 s
